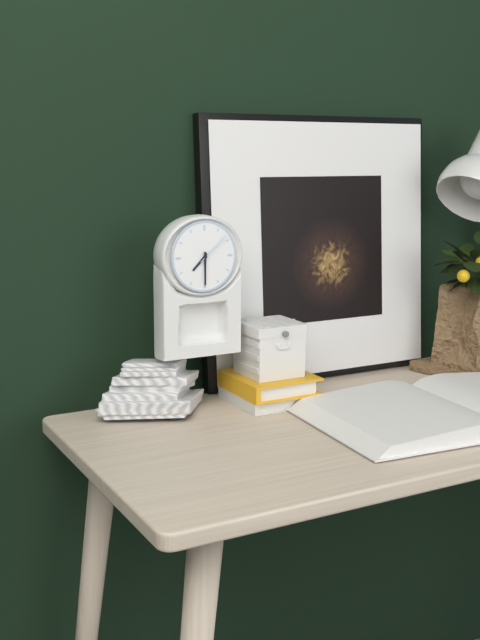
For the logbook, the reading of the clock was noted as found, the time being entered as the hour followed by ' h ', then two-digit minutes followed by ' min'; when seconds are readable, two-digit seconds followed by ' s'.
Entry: 7 h 30 min
